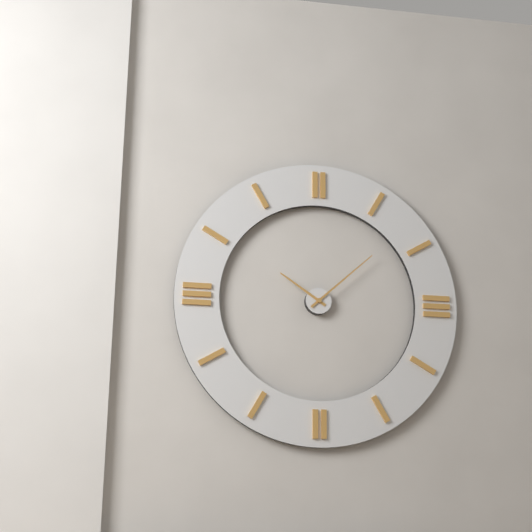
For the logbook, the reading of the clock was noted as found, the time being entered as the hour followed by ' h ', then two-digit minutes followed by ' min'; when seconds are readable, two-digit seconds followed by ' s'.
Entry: 10 h 08 min
